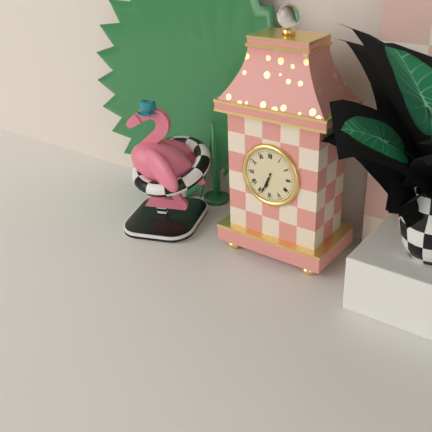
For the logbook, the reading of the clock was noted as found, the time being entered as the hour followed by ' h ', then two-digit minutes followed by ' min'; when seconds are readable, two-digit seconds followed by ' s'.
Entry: 6 h 34 min
